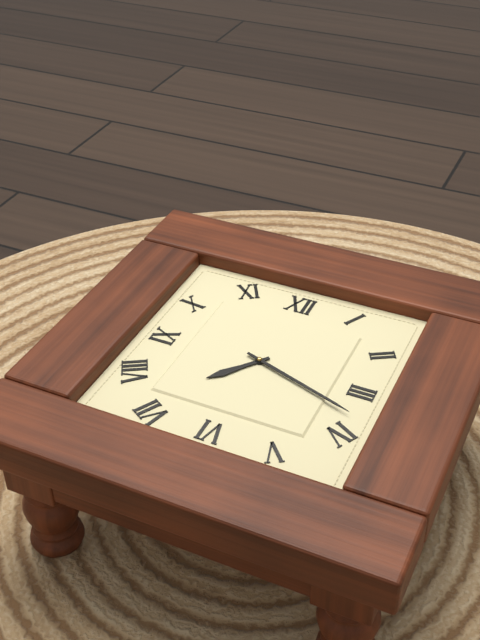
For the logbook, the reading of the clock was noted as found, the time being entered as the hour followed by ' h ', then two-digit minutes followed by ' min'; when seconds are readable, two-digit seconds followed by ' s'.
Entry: 7 h 18 min
